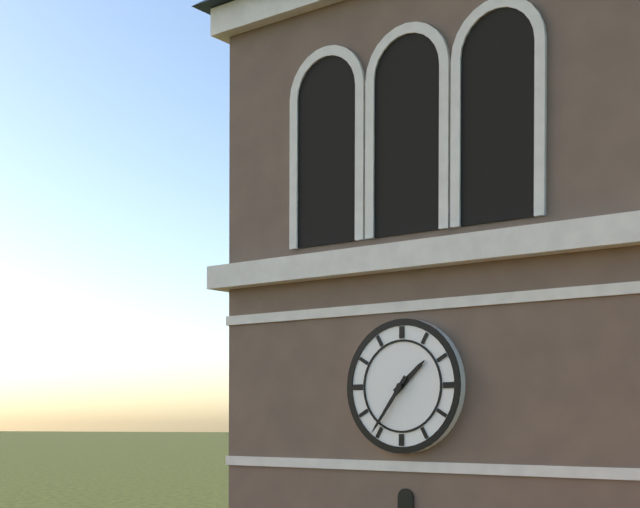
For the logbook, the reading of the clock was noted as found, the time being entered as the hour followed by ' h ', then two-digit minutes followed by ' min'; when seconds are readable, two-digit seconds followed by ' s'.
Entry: 1 h 36 min
